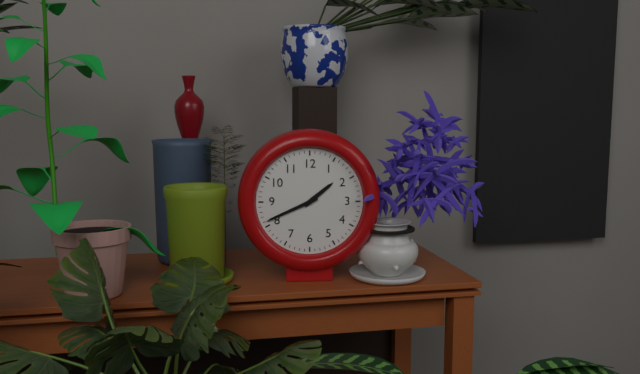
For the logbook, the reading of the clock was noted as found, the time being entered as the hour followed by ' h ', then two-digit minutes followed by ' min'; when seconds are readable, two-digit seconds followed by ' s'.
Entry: 1 h 41 min
